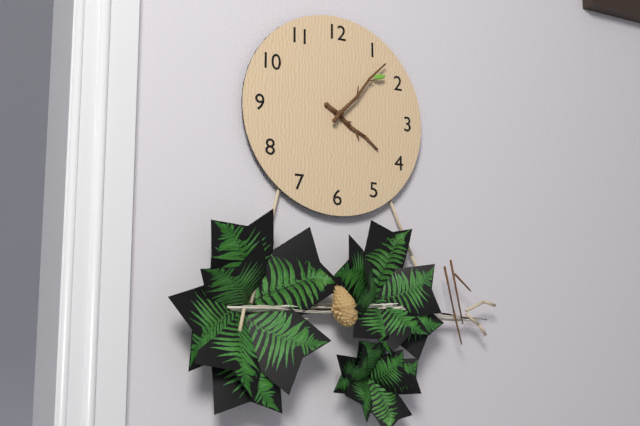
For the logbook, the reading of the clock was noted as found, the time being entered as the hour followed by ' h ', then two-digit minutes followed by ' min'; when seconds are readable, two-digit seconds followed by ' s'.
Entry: 4 h 07 min
